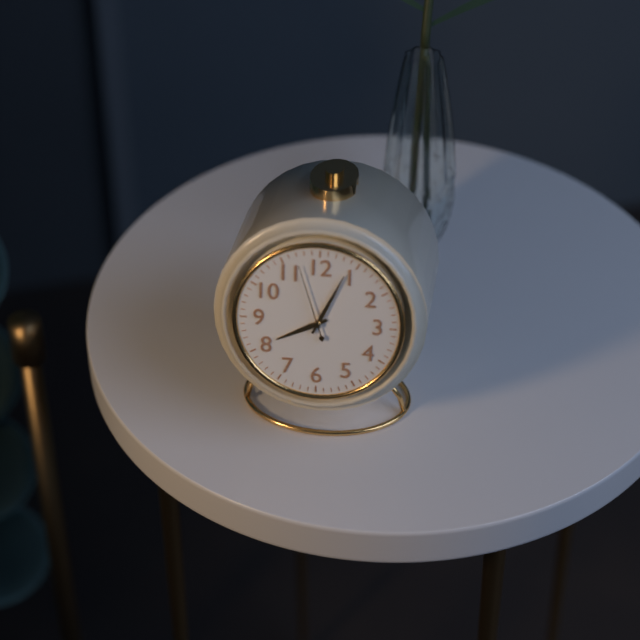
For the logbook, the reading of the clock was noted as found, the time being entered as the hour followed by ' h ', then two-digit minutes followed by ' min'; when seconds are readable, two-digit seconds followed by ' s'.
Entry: 8 h 04 min
